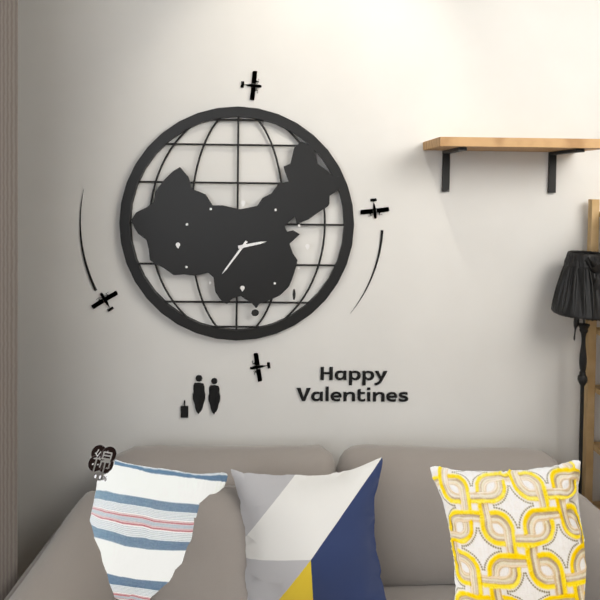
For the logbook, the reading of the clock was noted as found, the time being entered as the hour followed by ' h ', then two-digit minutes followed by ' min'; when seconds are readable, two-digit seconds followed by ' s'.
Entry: 2 h 36 min
